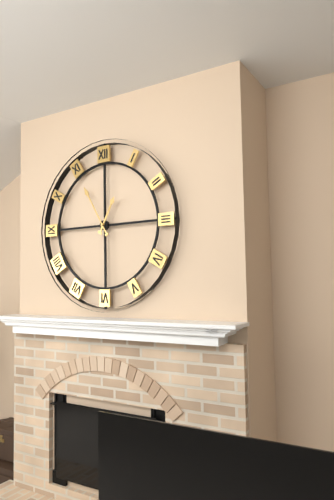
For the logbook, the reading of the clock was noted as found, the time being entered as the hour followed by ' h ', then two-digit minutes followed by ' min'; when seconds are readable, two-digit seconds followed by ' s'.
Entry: 12 h 55 min
